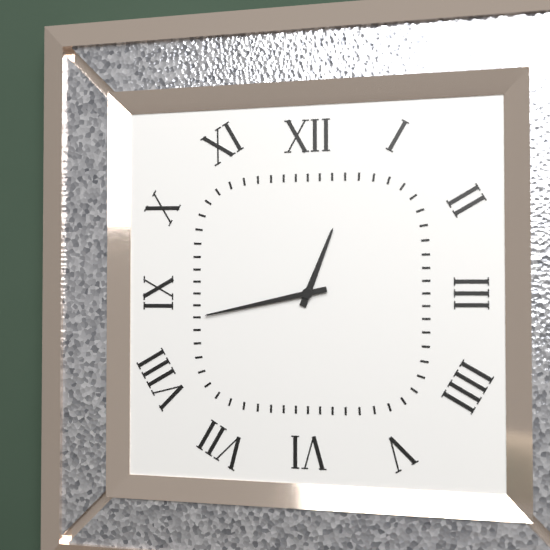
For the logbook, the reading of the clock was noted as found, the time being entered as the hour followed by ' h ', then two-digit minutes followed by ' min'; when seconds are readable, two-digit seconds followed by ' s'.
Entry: 12 h 43 min
